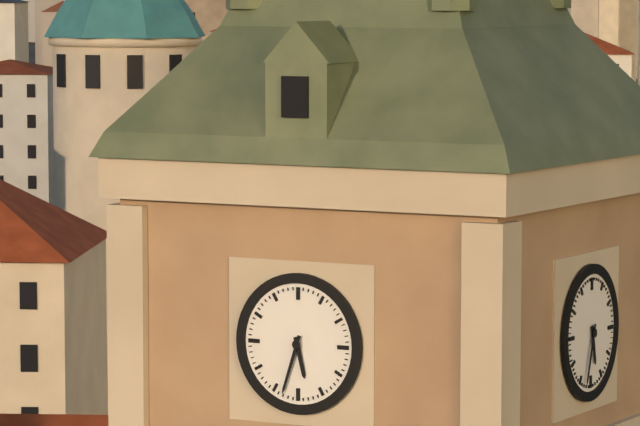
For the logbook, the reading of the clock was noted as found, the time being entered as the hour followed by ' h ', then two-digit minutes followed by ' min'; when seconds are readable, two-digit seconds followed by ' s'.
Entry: 5 h 33 min
